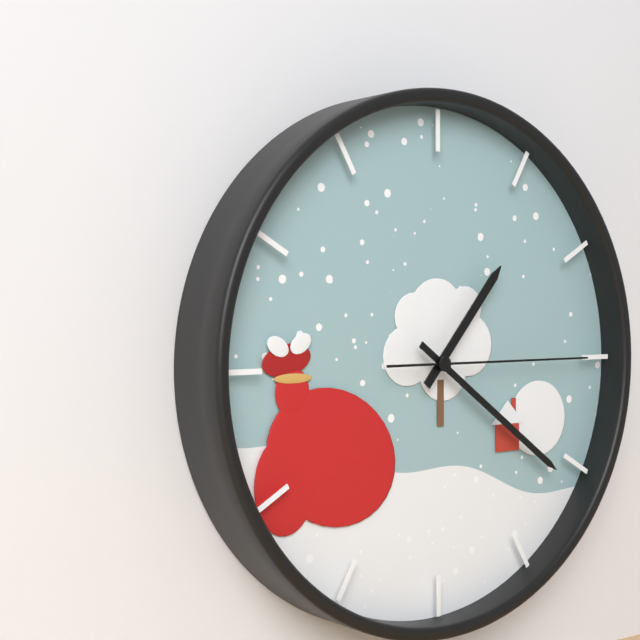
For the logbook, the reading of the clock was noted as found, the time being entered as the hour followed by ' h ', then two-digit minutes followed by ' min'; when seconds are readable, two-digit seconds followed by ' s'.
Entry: 1 h 21 min 15 s
